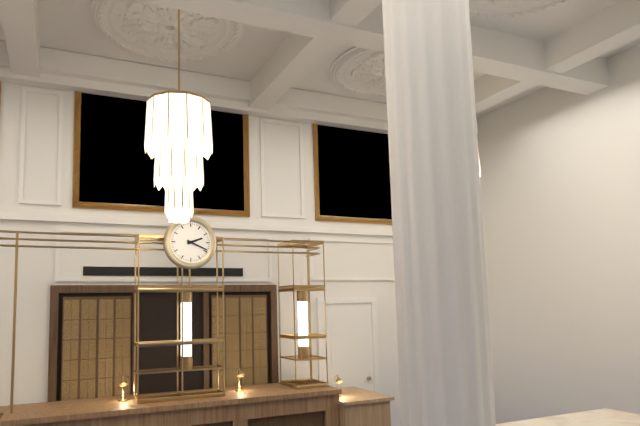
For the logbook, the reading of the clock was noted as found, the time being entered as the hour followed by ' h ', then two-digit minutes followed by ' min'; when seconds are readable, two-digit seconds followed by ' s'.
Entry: 2 h 19 min
